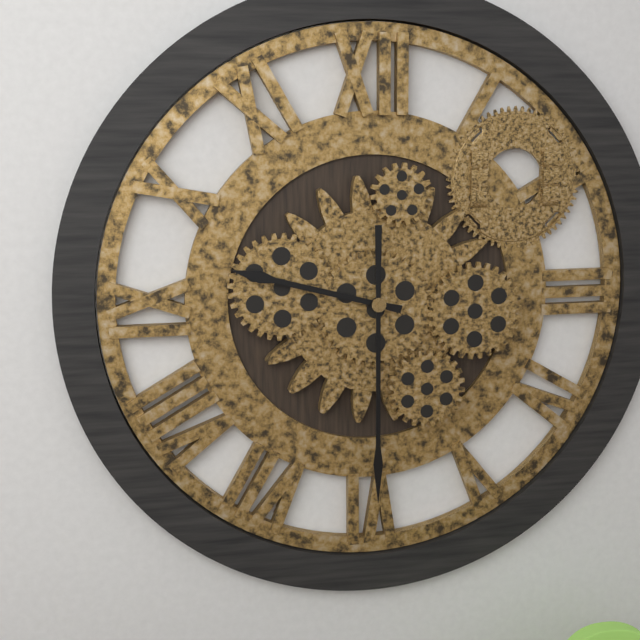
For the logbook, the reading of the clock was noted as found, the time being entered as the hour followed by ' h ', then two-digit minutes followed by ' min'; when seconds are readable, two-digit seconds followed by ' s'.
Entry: 9 h 30 min
